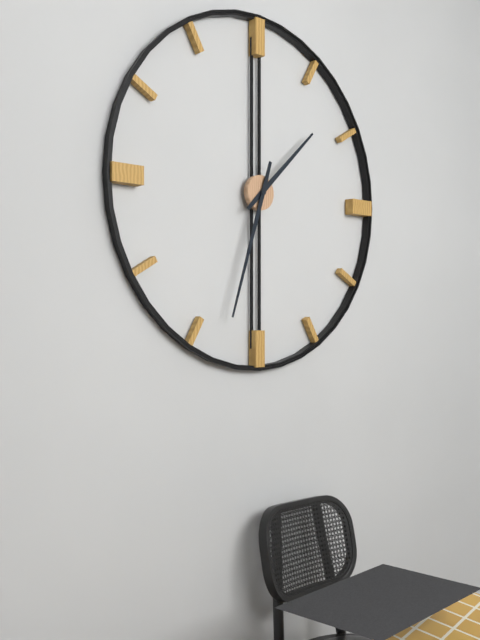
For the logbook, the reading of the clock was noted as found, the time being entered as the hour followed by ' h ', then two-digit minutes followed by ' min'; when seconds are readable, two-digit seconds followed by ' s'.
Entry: 1 h 33 min
